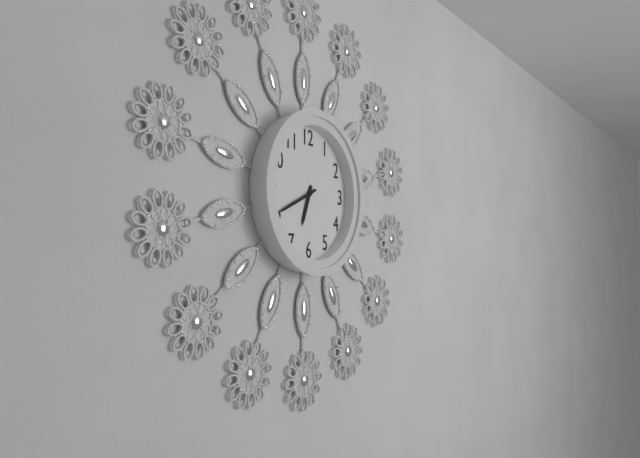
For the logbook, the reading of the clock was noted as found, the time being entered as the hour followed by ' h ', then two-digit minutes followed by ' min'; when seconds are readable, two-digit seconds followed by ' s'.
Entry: 6 h 41 min
